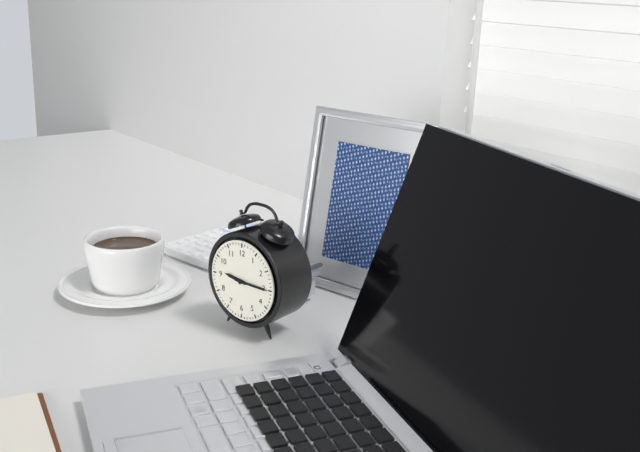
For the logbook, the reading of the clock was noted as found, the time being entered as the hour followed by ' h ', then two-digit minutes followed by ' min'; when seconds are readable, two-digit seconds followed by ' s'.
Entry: 9 h 15 min
